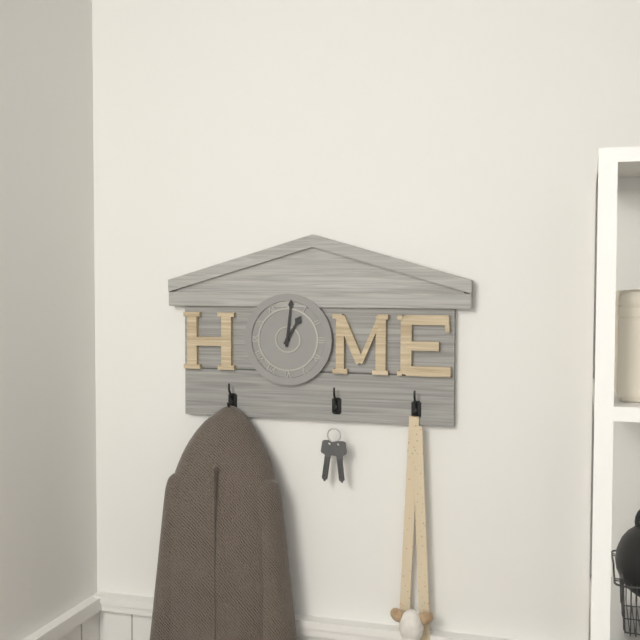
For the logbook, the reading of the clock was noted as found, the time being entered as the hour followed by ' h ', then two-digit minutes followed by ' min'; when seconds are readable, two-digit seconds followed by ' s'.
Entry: 1 h 01 min
